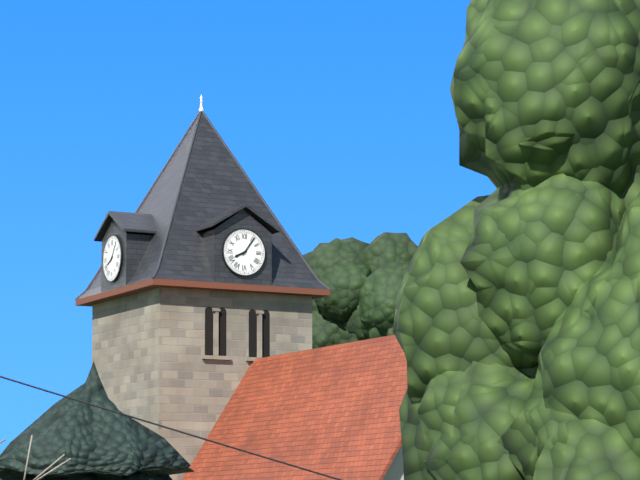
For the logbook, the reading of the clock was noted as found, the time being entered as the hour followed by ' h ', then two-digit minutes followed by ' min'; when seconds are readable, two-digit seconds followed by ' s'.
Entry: 8 h 06 min
